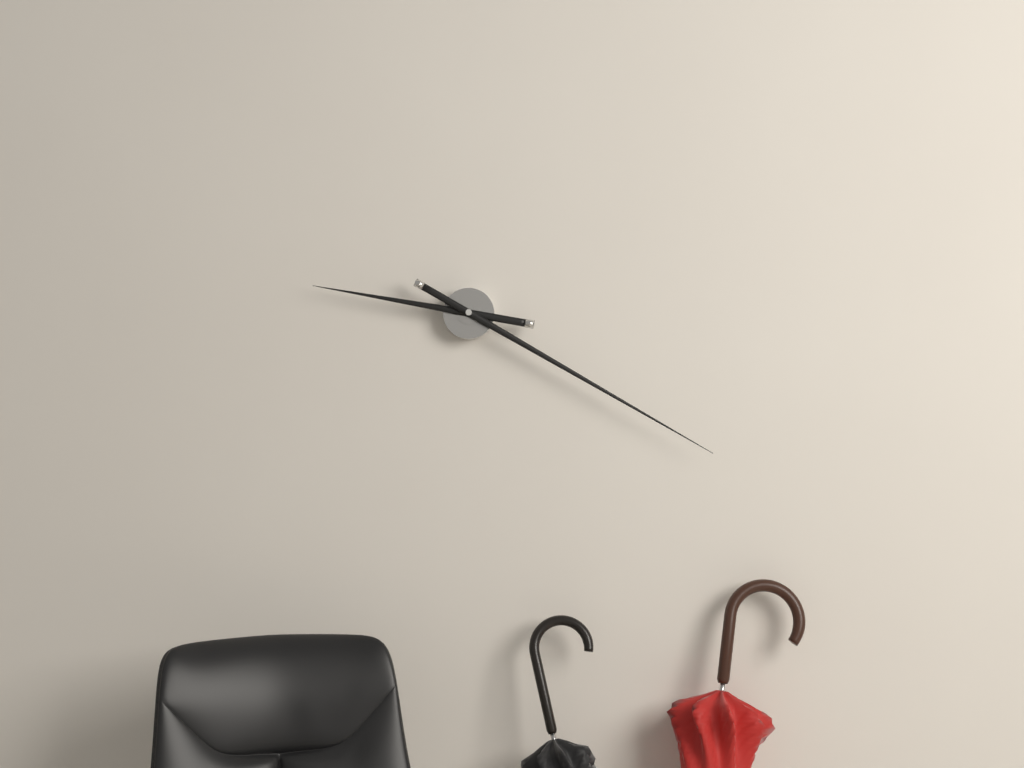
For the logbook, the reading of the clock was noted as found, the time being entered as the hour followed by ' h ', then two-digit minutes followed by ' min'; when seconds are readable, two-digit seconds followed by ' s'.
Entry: 9 h 20 min
